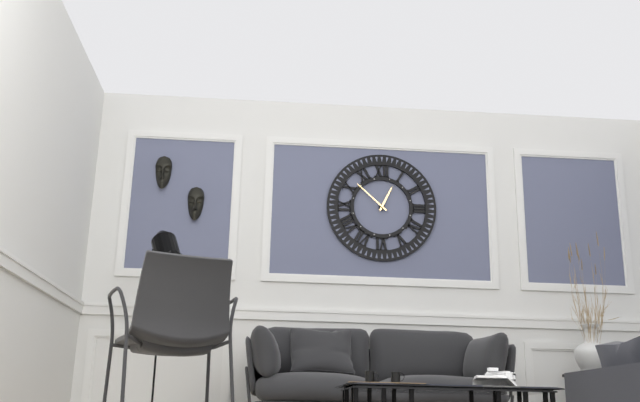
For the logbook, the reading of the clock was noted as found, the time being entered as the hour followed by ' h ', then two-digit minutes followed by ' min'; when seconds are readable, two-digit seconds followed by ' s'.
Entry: 12 h 52 min
